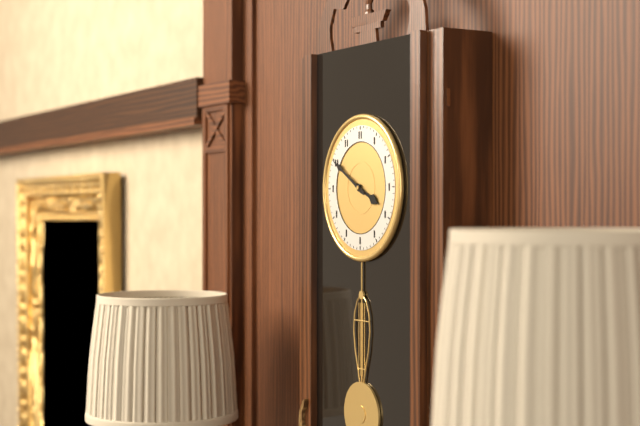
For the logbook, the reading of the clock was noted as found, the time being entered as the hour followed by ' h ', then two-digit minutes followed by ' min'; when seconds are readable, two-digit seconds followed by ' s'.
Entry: 3 h 50 min
